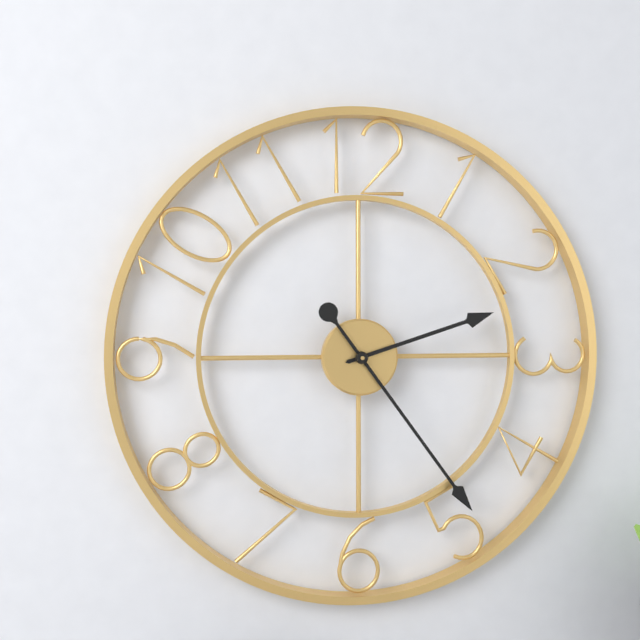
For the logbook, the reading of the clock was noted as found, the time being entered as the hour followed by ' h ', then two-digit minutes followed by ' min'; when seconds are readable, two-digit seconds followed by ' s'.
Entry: 2 h 24 min
